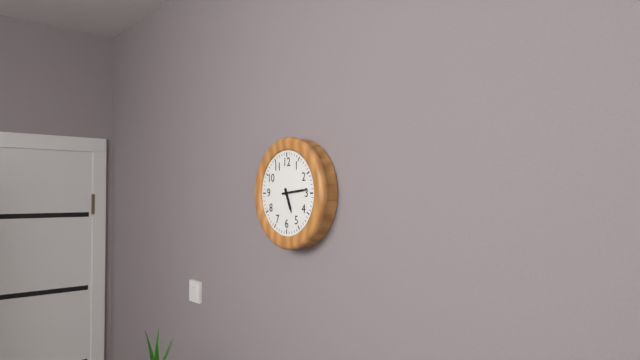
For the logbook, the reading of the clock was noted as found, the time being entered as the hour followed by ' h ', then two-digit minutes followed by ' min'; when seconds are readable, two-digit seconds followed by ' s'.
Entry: 5 h 14 min
